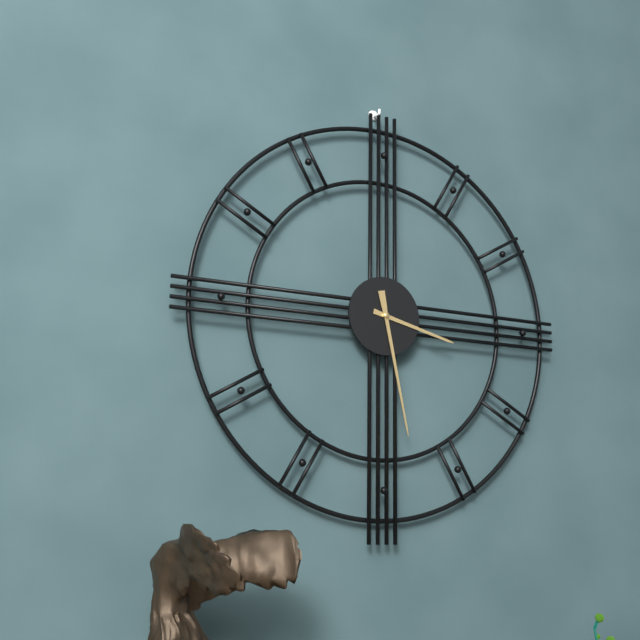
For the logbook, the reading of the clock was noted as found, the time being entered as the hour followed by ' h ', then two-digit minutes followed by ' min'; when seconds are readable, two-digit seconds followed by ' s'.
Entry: 3 h 28 min
